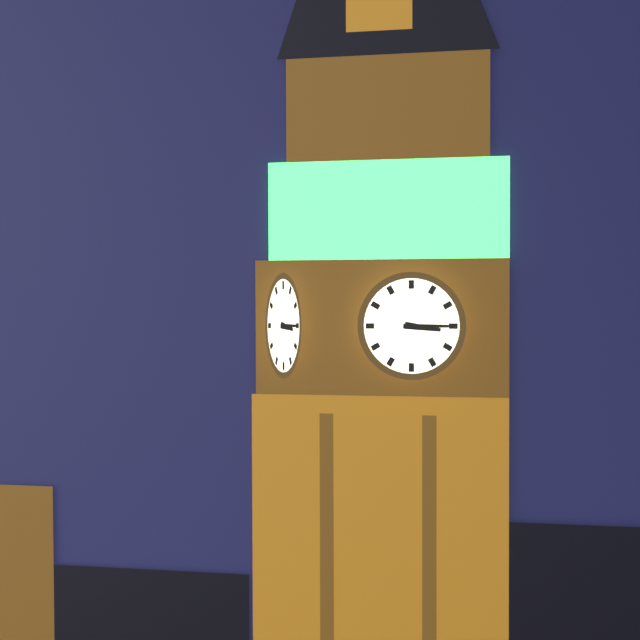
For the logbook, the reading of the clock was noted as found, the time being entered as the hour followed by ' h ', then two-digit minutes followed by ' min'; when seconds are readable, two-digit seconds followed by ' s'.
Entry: 3 h 15 min
